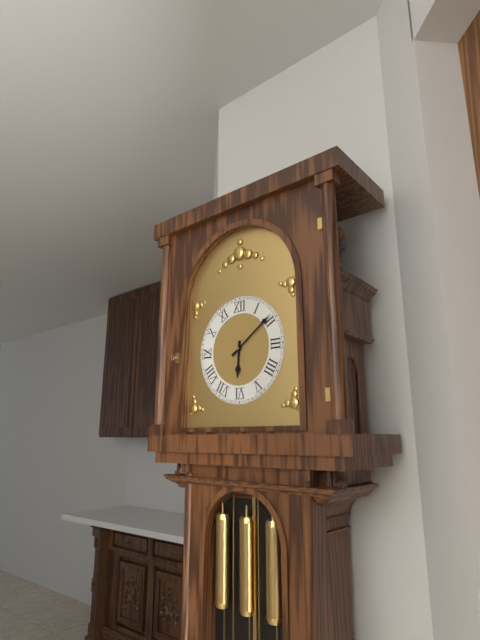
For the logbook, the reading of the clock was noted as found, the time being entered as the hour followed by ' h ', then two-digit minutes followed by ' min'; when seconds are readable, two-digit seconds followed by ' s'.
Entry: 6 h 09 min
